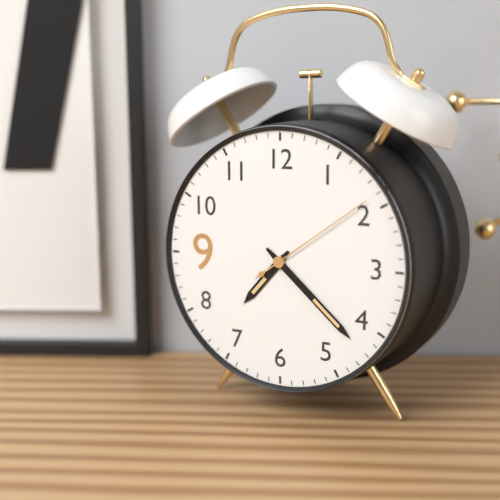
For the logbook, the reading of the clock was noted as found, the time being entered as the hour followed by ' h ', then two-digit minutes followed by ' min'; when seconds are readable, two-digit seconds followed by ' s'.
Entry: 7 h 22 min 09 s
